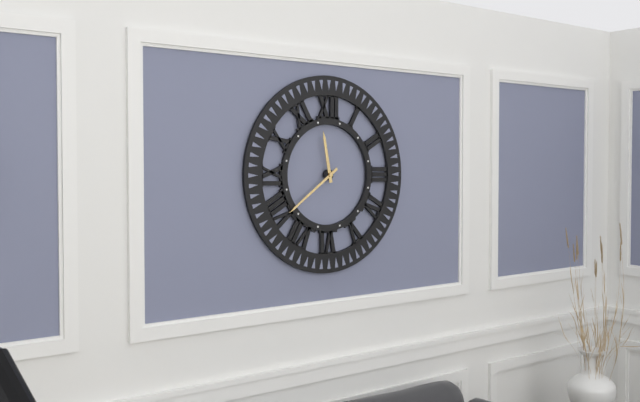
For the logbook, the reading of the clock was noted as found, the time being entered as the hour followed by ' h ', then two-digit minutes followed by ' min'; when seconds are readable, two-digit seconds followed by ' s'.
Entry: 11 h 39 min
